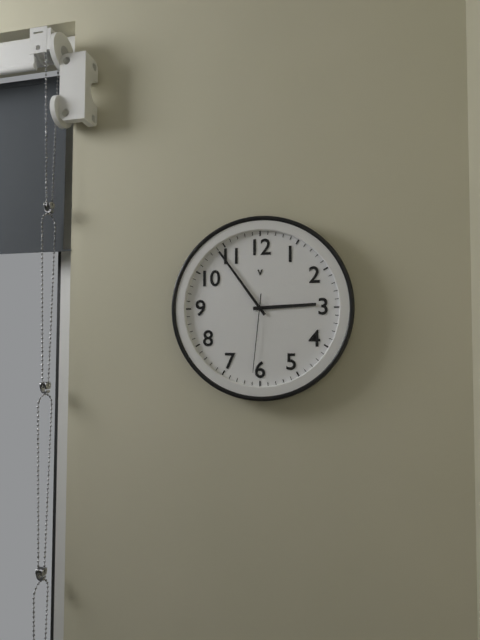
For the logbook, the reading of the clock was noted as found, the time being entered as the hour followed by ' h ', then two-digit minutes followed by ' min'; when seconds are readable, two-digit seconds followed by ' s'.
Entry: 2 h 54 min 31 s
